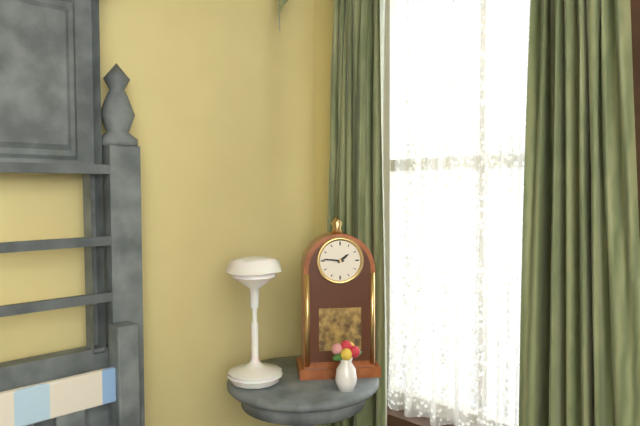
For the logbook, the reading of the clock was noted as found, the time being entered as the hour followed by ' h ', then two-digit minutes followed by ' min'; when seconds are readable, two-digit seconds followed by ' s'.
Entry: 1 h 46 min
